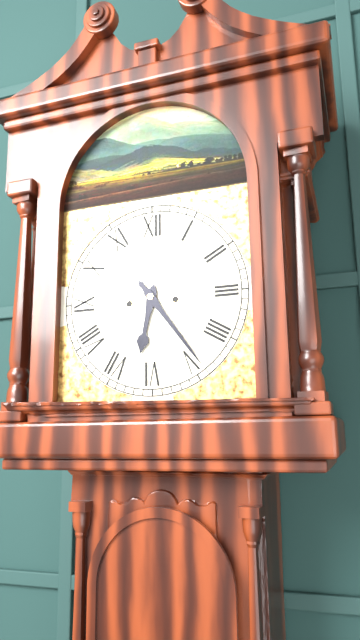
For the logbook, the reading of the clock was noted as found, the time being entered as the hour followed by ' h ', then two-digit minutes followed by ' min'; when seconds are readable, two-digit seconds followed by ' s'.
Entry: 6 h 24 min
